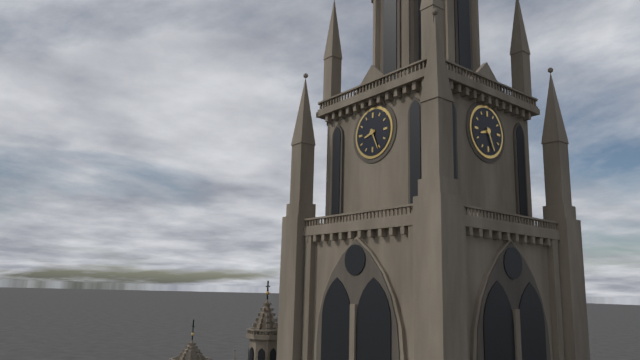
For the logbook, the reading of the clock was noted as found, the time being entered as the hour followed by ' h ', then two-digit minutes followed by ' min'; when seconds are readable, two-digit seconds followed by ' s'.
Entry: 8 h 26 min
